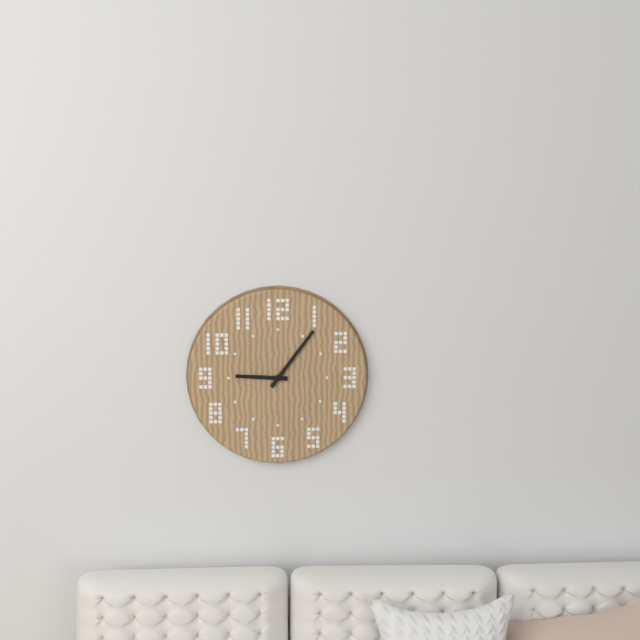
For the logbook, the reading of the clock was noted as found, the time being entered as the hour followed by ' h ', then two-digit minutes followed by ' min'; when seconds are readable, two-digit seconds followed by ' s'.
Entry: 9 h 06 min
